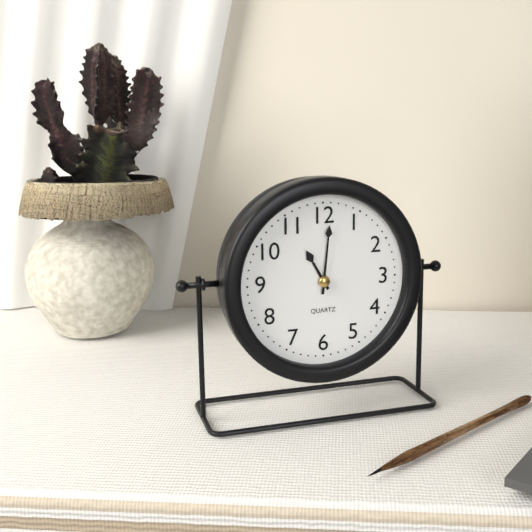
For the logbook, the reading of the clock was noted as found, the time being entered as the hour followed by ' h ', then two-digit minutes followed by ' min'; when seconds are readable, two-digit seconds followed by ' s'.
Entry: 11 h 01 min
